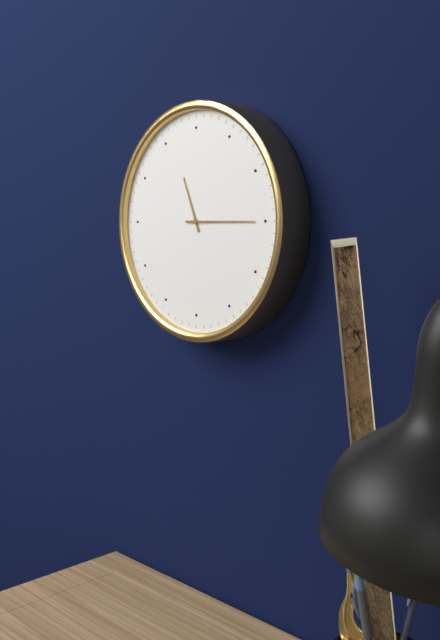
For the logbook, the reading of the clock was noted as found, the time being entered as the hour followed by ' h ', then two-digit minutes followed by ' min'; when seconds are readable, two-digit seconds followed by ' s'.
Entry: 11 h 15 min
